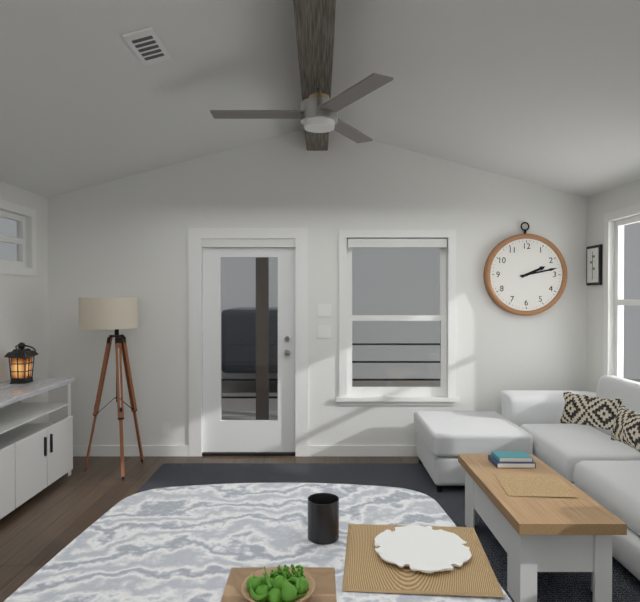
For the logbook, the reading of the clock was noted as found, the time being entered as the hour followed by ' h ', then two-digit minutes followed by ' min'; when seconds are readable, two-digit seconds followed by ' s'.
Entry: 2 h 13 min
